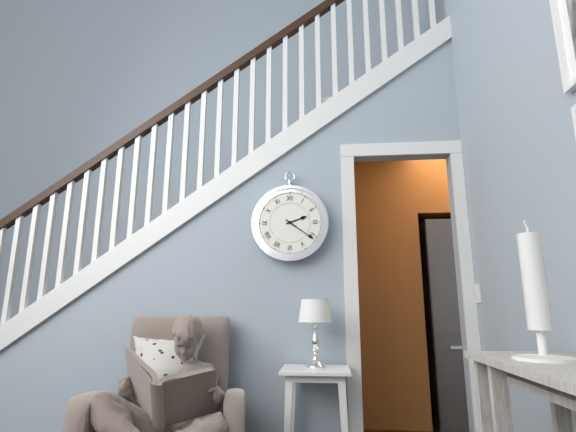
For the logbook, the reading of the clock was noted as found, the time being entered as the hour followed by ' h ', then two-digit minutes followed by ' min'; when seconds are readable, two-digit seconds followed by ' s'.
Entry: 2 h 21 min
